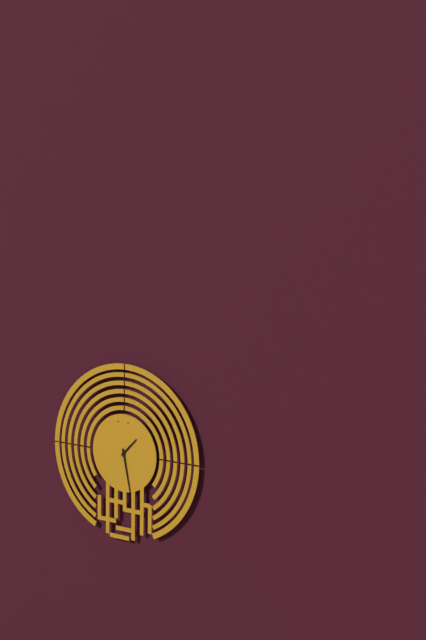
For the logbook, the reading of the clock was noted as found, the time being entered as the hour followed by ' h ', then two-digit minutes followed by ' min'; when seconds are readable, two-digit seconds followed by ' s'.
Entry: 1 h 28 min
